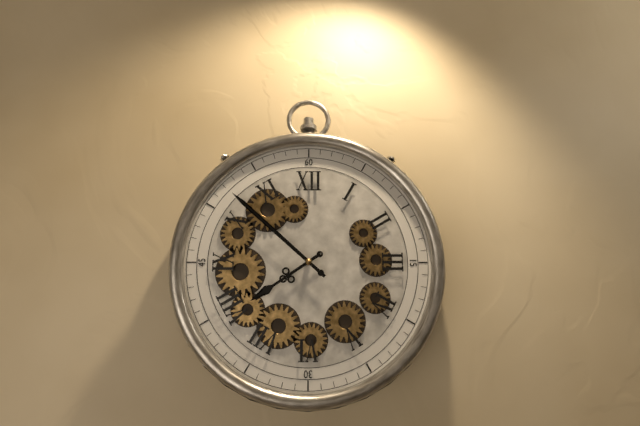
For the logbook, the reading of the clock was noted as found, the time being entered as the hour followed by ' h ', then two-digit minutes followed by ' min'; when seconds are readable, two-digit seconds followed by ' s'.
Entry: 7 h 52 min
